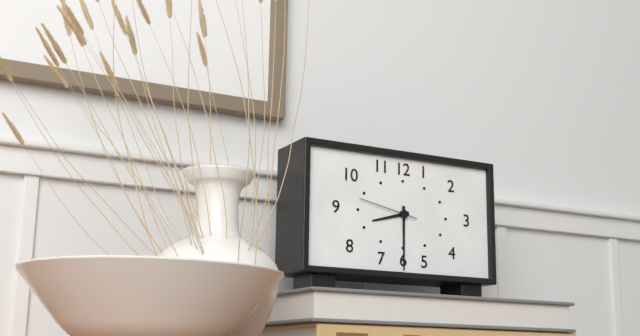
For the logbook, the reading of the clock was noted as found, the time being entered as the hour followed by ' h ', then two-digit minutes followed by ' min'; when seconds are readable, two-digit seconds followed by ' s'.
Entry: 8 h 30 min 47 s
